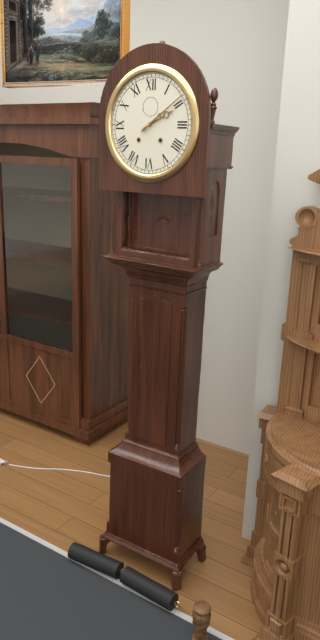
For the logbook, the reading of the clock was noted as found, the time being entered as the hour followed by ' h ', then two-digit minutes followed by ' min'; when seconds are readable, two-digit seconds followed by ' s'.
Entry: 2 h 09 min
